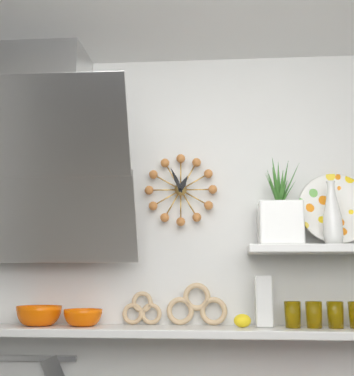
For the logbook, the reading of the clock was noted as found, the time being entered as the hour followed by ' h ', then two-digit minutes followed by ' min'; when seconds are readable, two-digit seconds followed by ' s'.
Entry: 12 h 56 min
